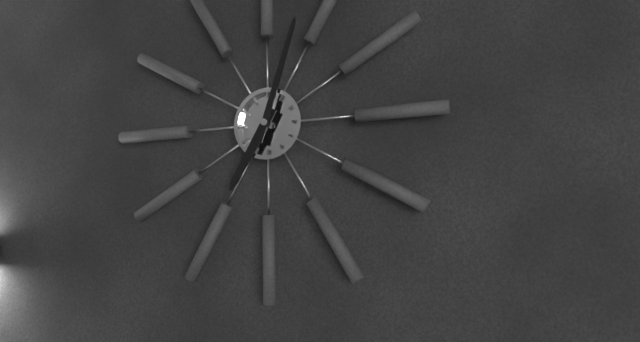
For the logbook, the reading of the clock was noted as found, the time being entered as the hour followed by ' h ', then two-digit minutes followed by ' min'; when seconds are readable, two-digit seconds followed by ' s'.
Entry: 7 h 03 min
